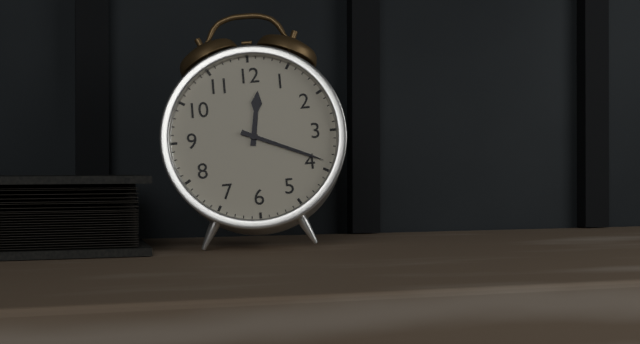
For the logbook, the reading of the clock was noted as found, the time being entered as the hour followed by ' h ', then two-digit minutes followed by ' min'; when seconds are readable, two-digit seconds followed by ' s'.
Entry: 12 h 19 min
